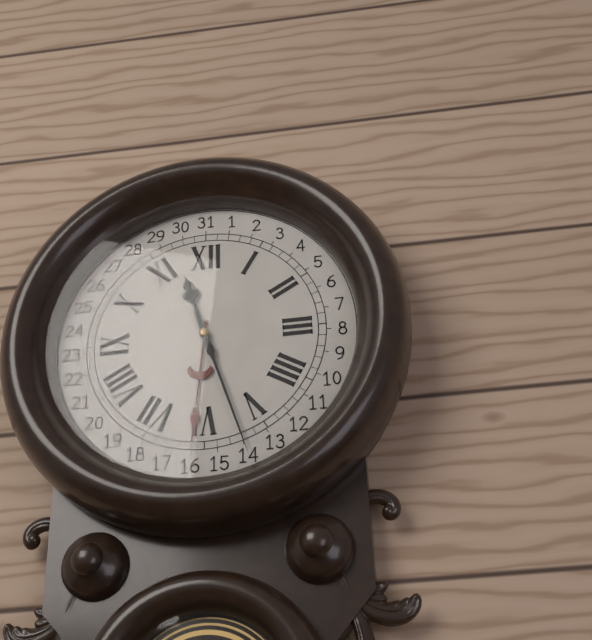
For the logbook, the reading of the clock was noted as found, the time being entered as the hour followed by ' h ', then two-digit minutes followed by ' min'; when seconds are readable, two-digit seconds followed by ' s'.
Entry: 11 h 27 min
